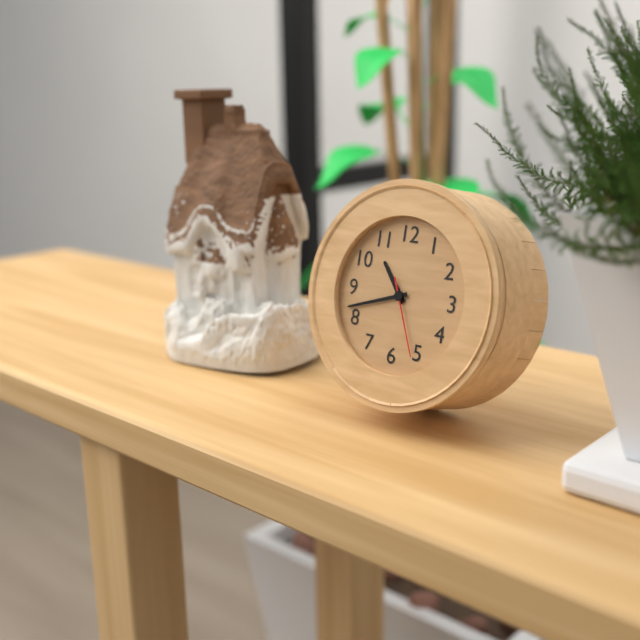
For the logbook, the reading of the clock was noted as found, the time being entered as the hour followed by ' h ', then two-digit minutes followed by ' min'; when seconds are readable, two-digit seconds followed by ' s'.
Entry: 10 h 42 min 26 s
